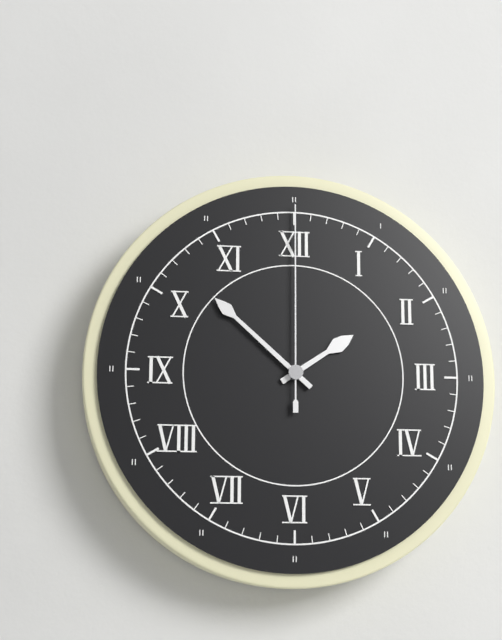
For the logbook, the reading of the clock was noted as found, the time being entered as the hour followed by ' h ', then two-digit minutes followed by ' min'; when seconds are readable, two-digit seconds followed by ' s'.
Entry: 1 h 52 min 00 s
